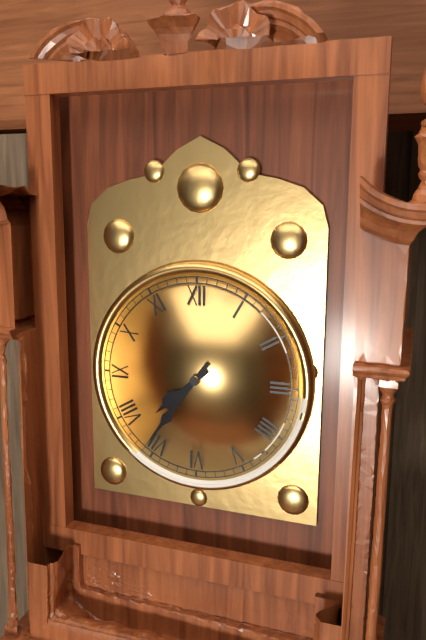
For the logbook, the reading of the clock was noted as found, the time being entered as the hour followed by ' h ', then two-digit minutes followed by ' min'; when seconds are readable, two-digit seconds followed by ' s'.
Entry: 7 h 36 min
